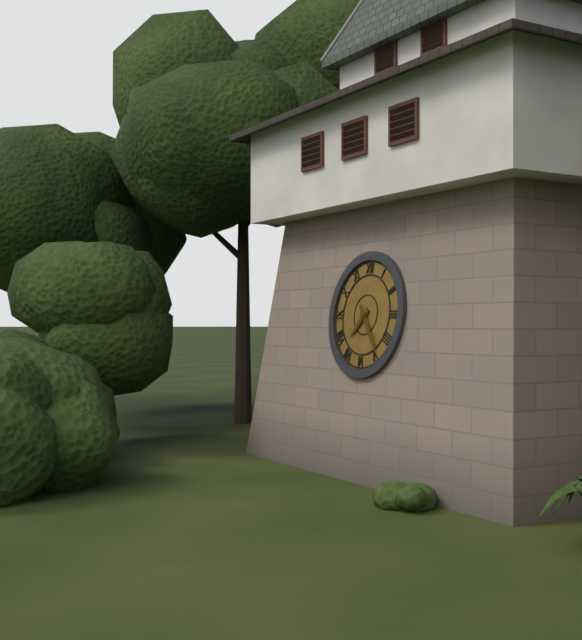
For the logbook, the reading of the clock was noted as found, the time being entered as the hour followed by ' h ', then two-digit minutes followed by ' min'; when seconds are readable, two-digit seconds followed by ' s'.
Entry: 7 h 24 min
